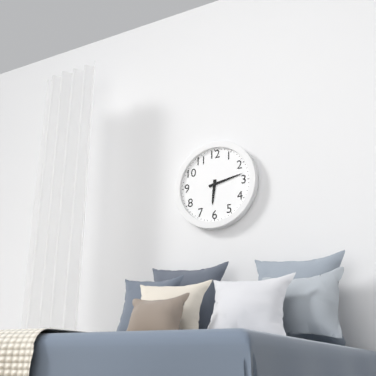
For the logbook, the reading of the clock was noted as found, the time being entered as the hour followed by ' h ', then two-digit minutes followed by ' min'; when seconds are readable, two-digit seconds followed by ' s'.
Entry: 6 h 13 min
